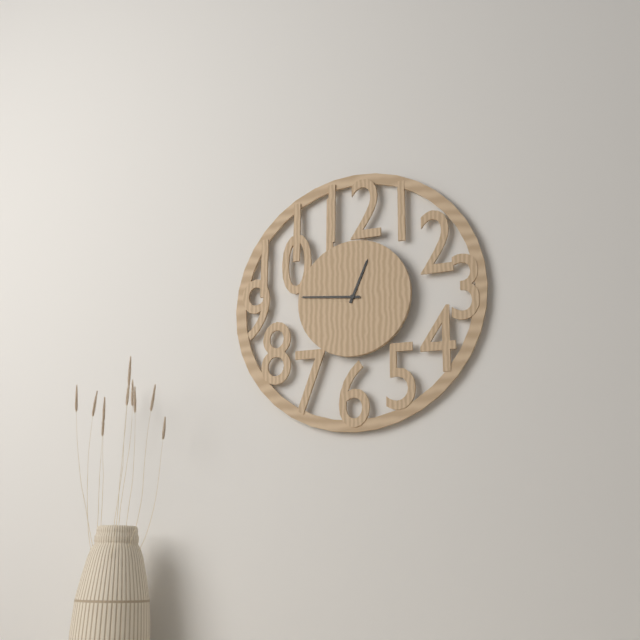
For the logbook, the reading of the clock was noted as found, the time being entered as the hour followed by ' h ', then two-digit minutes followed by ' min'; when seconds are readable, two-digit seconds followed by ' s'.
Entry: 12 h 46 min
